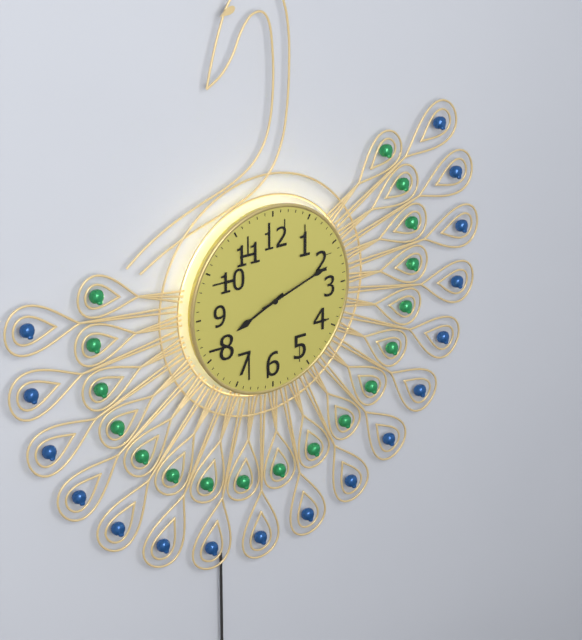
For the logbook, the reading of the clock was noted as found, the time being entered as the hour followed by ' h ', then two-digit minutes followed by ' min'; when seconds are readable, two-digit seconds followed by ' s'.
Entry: 8 h 12 min
